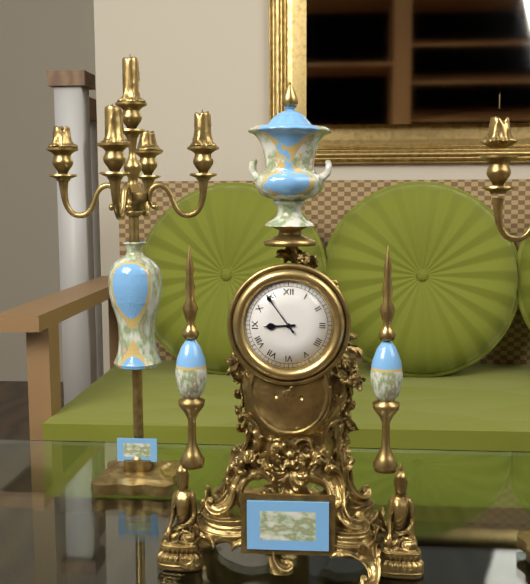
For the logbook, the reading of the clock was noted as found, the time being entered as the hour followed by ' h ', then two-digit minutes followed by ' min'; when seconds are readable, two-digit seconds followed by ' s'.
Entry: 8 h 54 min
